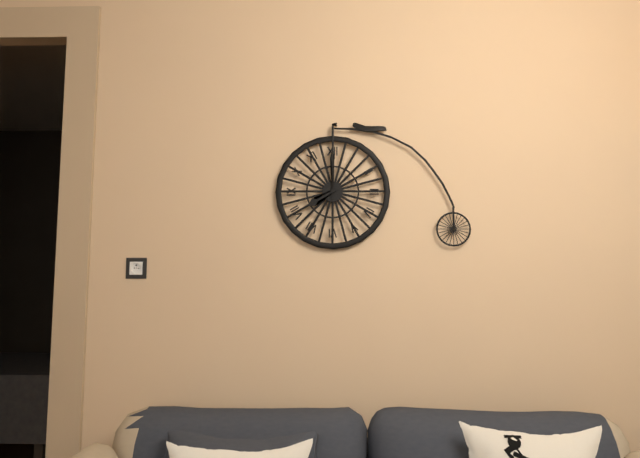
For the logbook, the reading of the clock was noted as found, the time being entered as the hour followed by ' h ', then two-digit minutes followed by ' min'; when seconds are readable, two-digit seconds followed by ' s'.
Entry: 8 h 00 min
